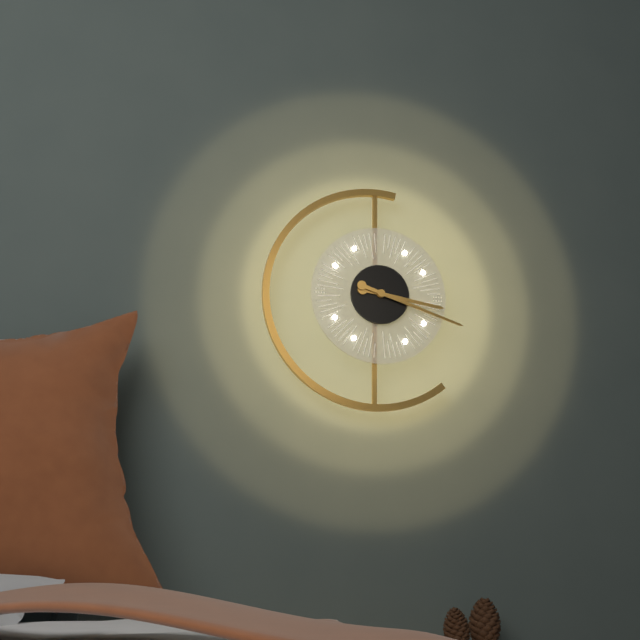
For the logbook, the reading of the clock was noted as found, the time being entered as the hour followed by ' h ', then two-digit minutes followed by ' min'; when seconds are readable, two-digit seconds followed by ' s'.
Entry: 3 h 18 min
